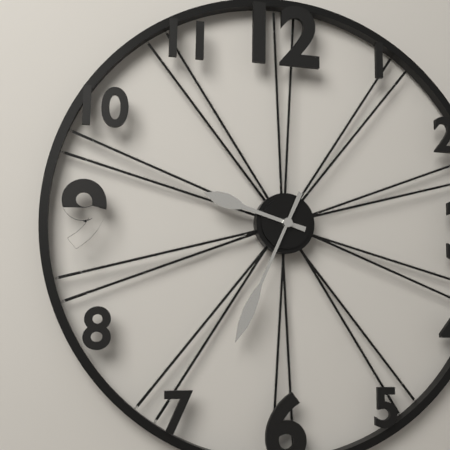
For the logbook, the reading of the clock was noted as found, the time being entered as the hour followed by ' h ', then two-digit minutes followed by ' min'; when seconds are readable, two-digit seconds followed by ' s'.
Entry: 9 h 34 min
